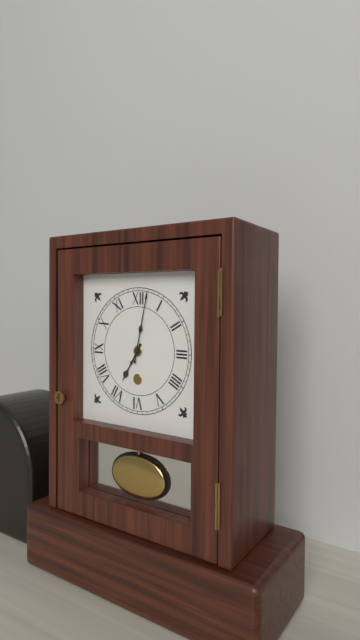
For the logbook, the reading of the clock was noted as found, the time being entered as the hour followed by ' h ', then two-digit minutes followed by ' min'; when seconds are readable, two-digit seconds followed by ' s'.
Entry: 7 h 02 min
